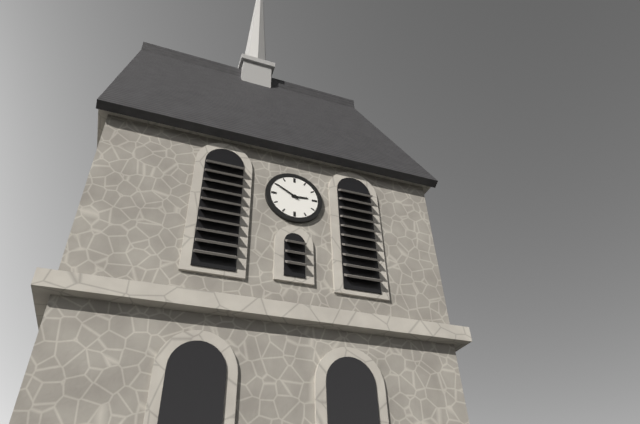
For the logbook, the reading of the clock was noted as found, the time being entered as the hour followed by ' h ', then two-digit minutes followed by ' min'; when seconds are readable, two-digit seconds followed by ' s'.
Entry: 2 h 50 min
